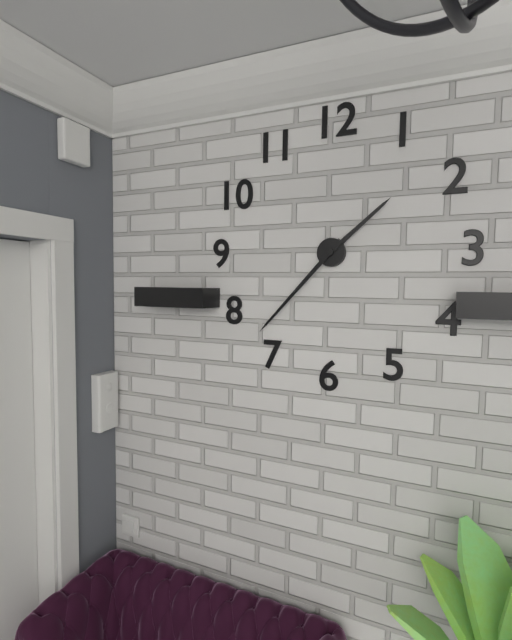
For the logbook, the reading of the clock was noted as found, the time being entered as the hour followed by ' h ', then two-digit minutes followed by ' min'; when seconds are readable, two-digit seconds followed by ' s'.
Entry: 1 h 37 min
